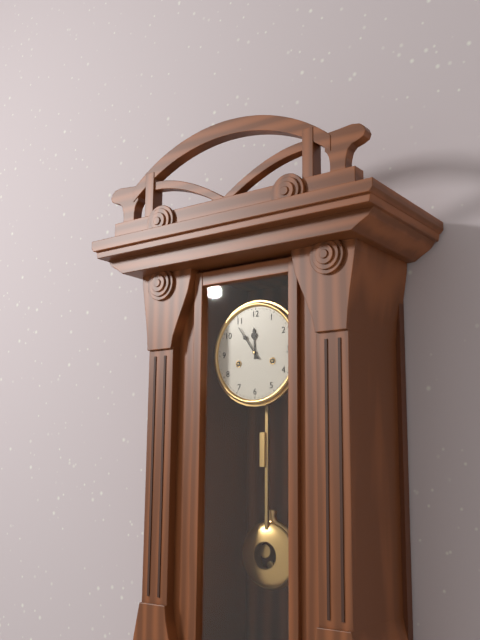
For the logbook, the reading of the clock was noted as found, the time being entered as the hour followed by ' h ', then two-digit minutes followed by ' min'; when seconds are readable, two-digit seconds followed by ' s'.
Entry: 11 h 54 min
